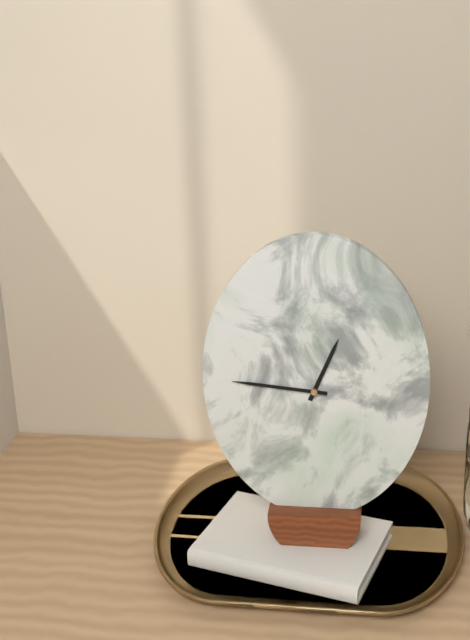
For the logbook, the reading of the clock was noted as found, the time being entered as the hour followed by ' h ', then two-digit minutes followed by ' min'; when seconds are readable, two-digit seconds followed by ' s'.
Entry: 12 h 46 min
